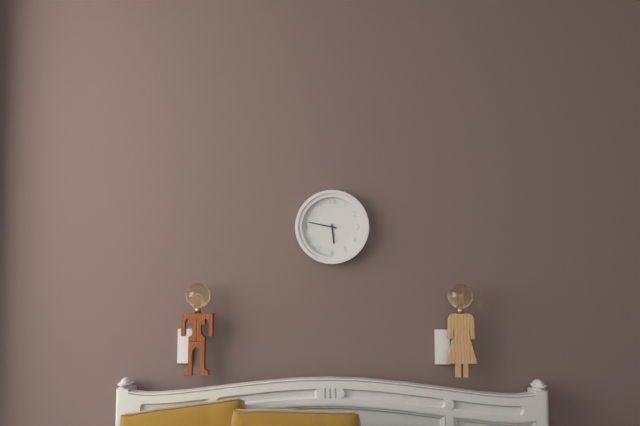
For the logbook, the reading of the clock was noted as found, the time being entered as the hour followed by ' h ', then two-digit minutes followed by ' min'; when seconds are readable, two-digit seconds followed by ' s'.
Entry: 5 h 47 min
